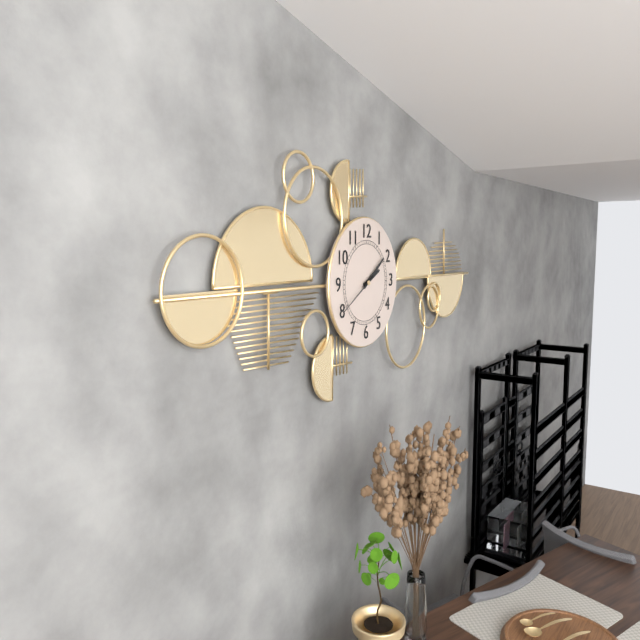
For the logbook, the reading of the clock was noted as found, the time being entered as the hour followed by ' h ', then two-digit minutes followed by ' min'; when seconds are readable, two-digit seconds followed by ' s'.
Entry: 2 h 09 min
